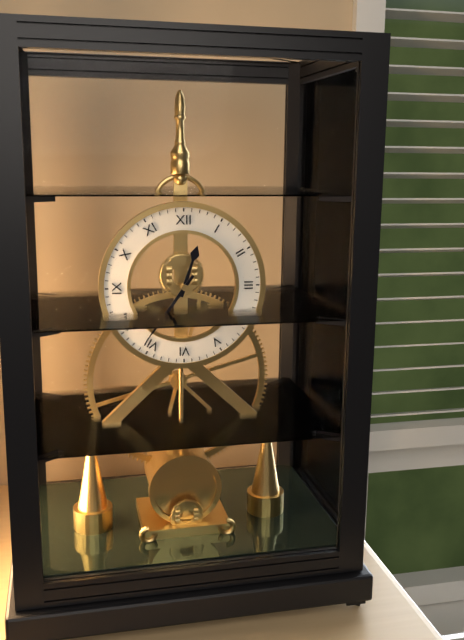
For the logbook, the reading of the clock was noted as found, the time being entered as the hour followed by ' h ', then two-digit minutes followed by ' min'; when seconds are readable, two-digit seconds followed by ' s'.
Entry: 12 h 36 min
